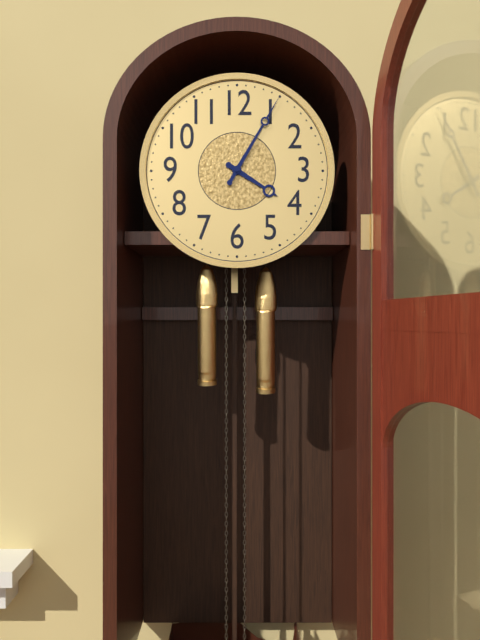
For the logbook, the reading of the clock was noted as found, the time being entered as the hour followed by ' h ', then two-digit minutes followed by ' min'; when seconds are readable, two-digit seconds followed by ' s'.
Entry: 4 h 05 min
